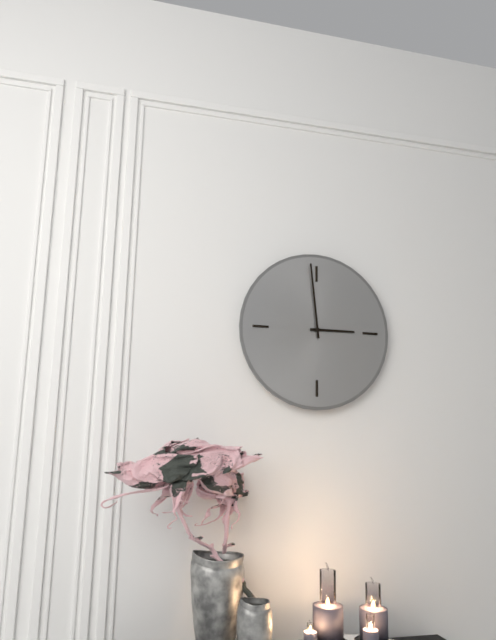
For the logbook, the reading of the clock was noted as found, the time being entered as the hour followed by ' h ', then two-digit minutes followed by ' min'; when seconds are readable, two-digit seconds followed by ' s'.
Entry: 2 h 59 min
